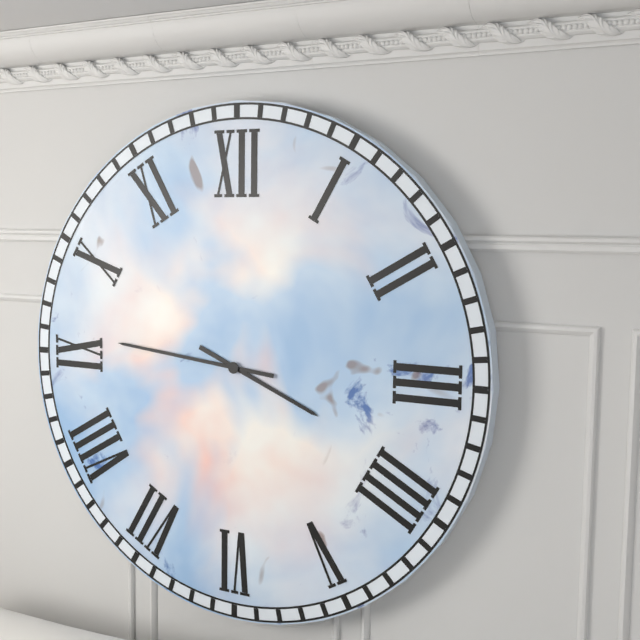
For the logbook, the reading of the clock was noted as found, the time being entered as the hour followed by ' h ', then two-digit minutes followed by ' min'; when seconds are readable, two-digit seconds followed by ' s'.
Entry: 3 h 46 min
